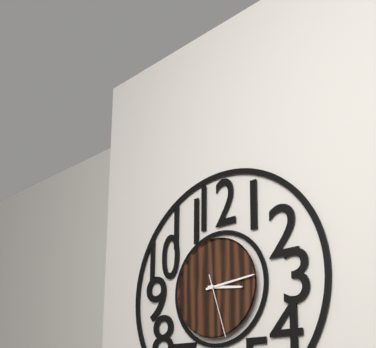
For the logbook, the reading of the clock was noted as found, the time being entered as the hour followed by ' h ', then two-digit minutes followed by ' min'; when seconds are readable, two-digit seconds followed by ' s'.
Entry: 3 h 14 min 27 s
